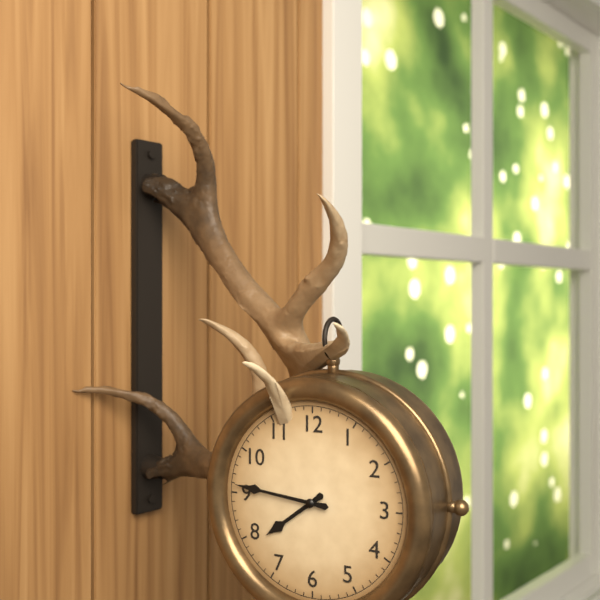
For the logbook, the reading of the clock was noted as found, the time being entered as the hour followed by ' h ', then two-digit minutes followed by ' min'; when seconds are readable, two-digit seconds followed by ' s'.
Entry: 7 h 46 min
